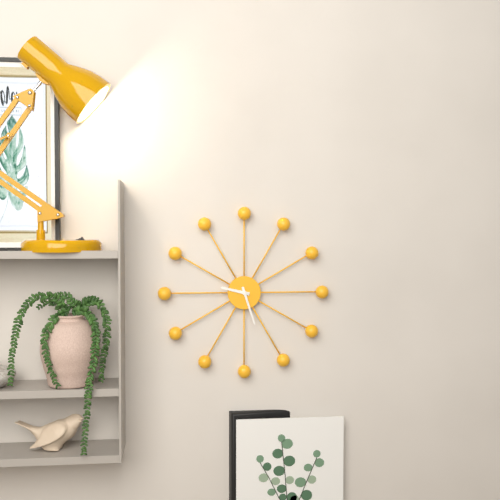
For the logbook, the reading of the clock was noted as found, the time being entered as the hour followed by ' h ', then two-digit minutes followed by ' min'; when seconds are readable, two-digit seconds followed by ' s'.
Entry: 9 h 27 min
